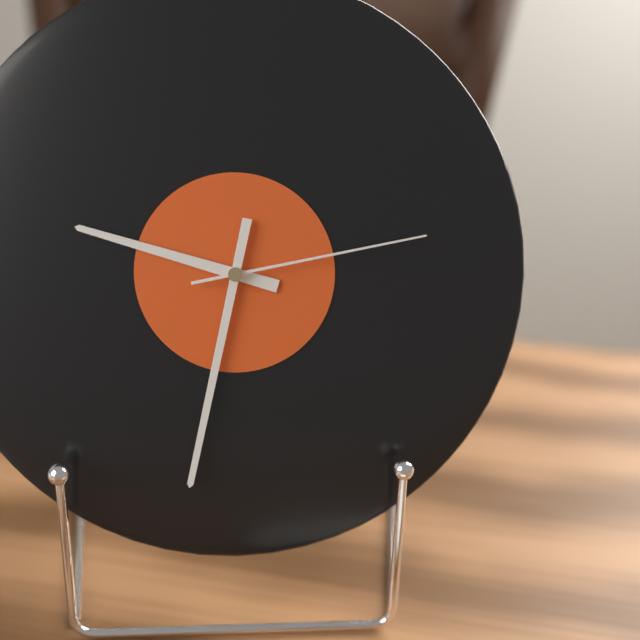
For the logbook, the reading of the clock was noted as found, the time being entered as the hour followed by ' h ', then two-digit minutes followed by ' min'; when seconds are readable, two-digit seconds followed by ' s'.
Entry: 9 h 32 min 13 s
